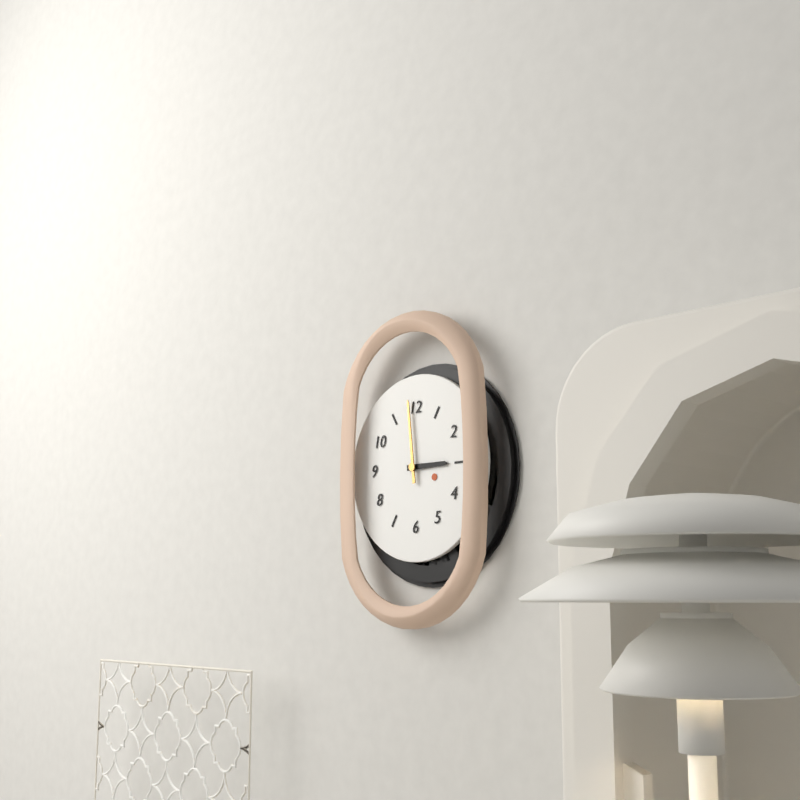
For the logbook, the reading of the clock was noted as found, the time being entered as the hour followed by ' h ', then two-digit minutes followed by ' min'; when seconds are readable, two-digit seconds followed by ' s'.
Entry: 2 h 59 min
